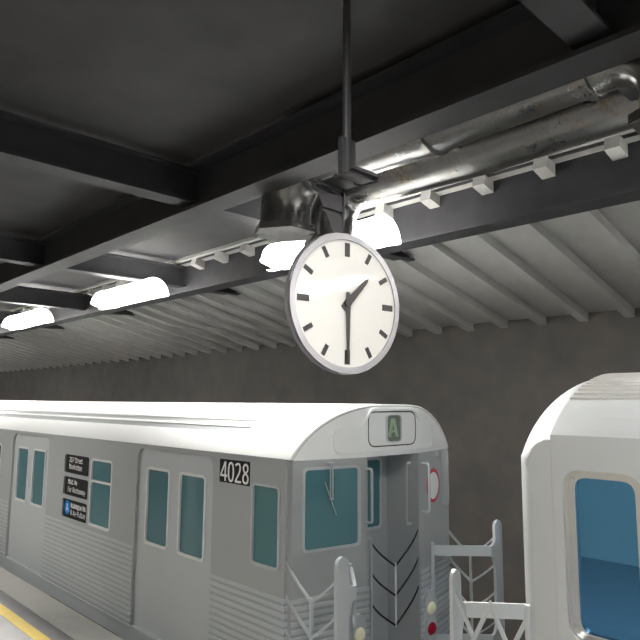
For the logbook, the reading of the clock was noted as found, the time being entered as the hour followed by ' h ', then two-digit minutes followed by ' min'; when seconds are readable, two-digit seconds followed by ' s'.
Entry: 1 h 30 min
